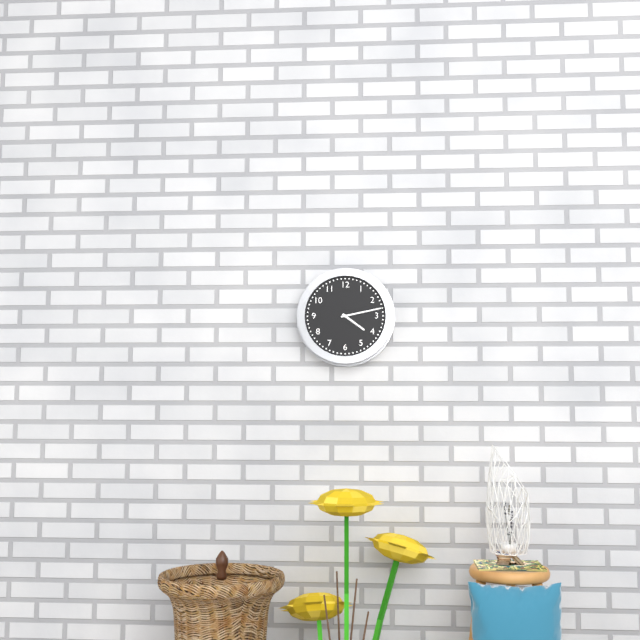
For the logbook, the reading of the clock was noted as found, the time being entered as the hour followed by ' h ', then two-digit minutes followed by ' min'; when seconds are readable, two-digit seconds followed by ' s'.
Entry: 4 h 13 min
